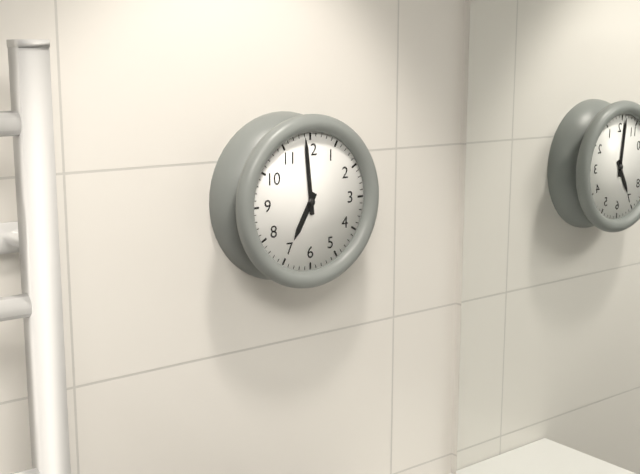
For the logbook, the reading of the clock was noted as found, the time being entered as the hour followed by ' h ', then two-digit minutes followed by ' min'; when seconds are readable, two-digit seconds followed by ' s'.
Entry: 6 h 59 min
